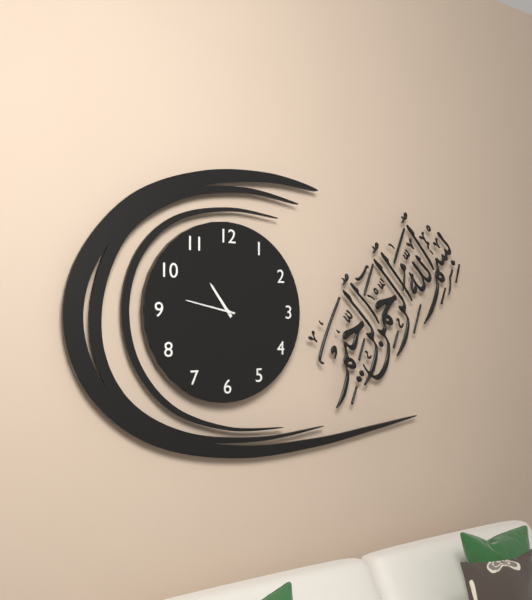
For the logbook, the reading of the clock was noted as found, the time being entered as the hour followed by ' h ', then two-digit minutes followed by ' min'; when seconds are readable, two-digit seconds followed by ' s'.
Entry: 10 h 47 min
